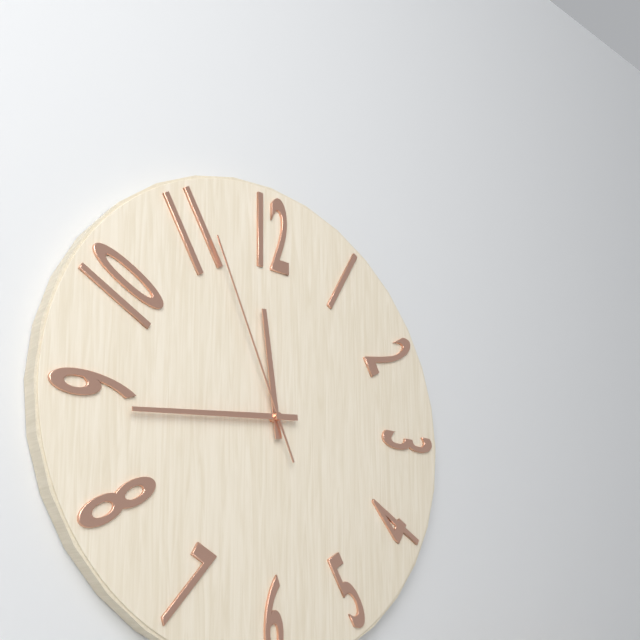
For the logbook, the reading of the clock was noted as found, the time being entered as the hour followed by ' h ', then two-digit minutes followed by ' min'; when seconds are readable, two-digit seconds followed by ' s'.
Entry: 11 h 44 min 56 s
